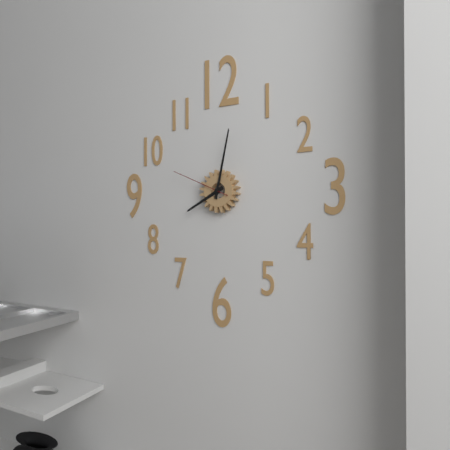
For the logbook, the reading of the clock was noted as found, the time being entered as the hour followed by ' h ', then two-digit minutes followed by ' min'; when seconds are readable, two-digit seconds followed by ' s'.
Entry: 8 h 02 min 49 s
